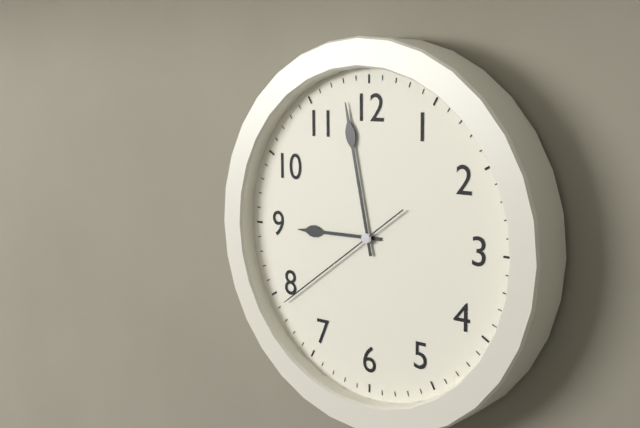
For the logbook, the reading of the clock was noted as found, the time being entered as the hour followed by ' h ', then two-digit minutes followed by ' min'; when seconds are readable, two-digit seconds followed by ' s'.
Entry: 8 h 58 min 39 s
